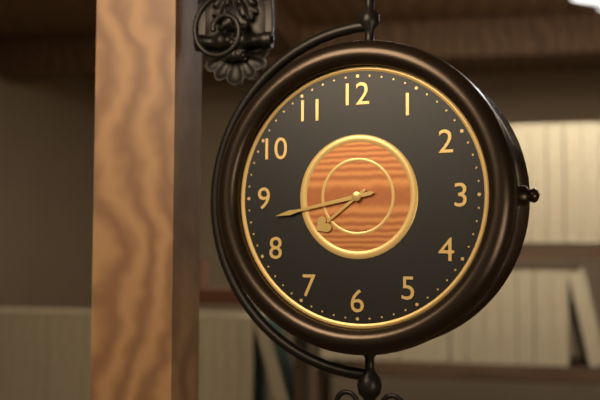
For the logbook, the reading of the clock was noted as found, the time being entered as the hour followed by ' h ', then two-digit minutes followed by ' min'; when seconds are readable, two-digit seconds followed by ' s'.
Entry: 7 h 43 min
